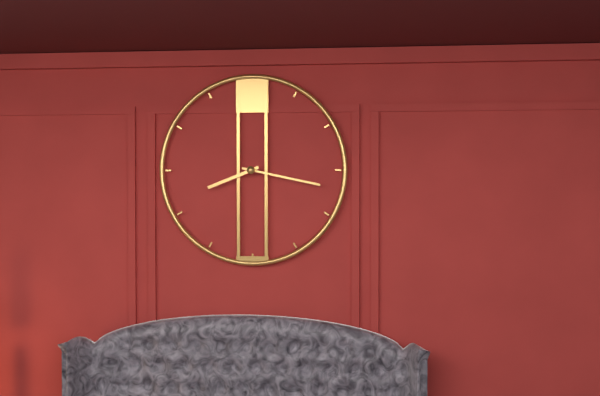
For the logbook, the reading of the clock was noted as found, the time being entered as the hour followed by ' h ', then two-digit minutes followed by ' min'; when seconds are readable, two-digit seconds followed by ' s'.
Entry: 8 h 17 min
